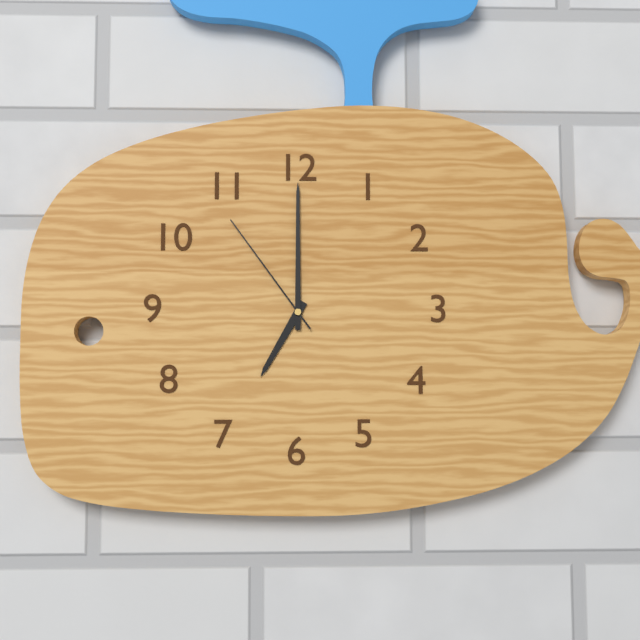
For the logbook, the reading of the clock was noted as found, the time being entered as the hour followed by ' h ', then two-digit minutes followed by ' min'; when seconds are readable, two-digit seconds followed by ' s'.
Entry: 7 h 00 min 54 s
